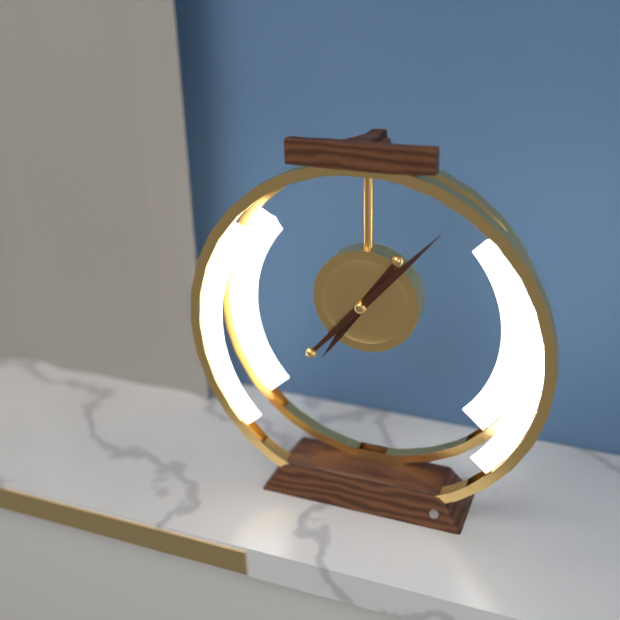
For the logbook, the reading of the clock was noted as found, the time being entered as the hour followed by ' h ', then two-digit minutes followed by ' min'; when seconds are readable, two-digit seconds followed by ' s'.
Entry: 7 h 07 min
